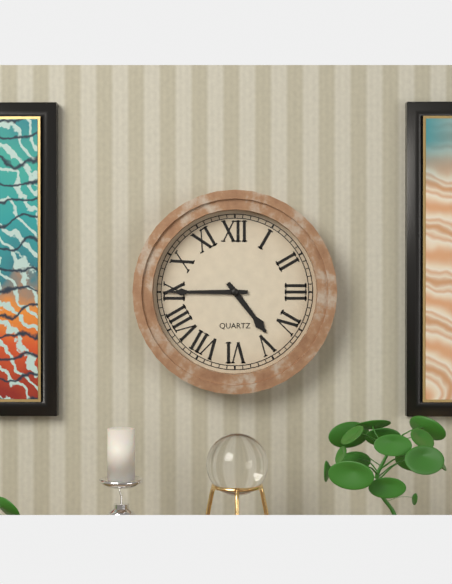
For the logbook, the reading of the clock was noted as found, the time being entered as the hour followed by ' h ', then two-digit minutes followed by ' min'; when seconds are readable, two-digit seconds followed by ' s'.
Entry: 4 h 45 min
